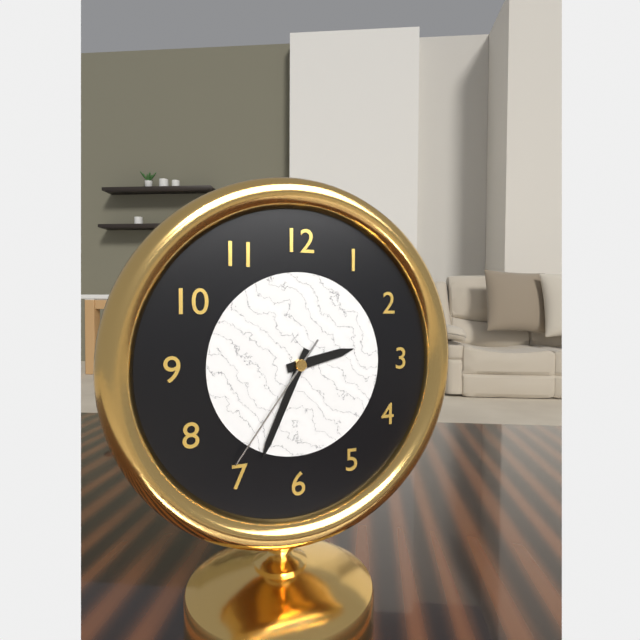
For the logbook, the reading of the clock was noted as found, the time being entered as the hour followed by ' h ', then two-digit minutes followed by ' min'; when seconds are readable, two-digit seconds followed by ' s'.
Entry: 2 h 34 min 36 s
